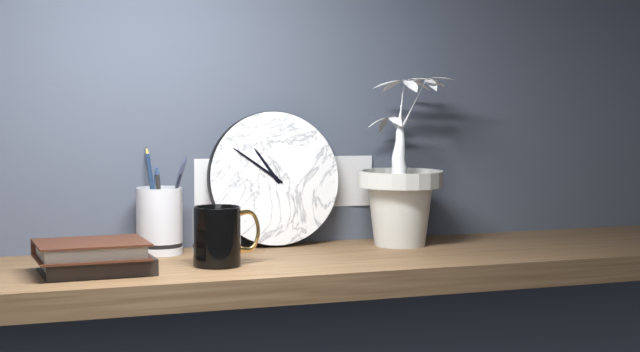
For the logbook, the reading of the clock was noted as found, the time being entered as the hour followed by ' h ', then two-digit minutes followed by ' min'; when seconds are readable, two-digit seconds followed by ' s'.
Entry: 10 h 51 min
